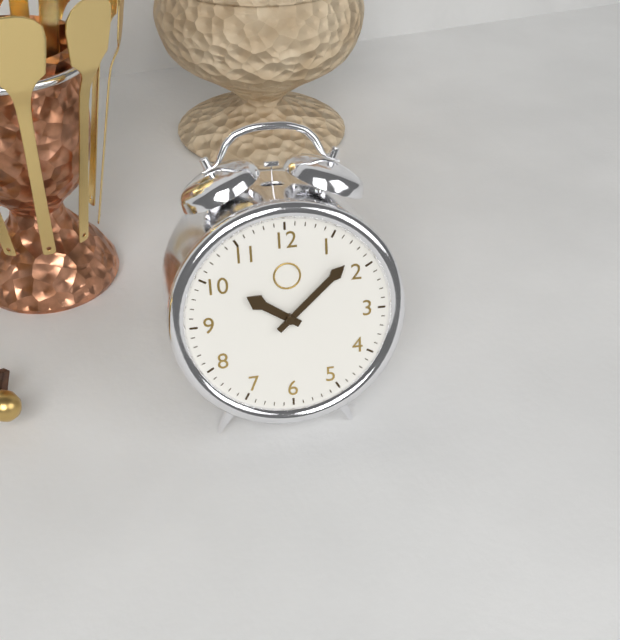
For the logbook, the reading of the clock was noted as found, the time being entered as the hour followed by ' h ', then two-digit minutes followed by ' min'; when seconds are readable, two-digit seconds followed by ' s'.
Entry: 10 h 08 min
